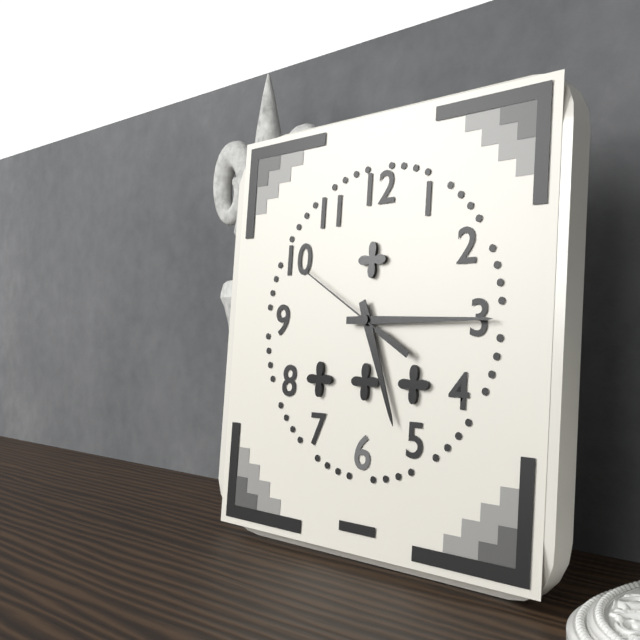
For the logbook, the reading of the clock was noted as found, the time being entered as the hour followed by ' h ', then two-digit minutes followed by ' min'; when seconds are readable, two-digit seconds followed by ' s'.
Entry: 5 h 15 min 50 s
